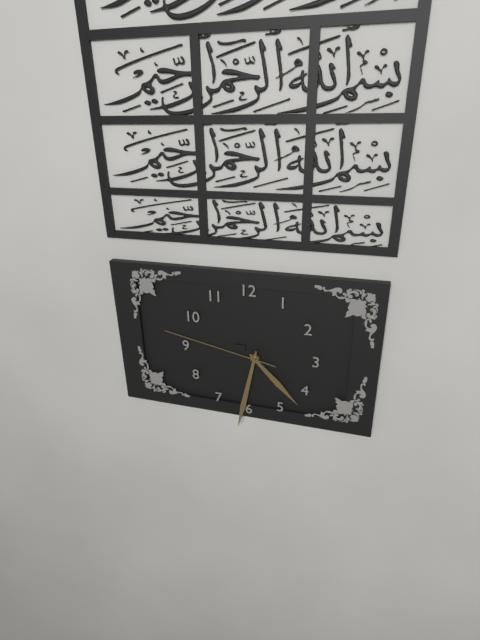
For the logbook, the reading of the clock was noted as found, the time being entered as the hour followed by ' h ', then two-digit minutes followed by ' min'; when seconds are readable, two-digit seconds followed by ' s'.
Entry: 4 h 32 min 47 s
